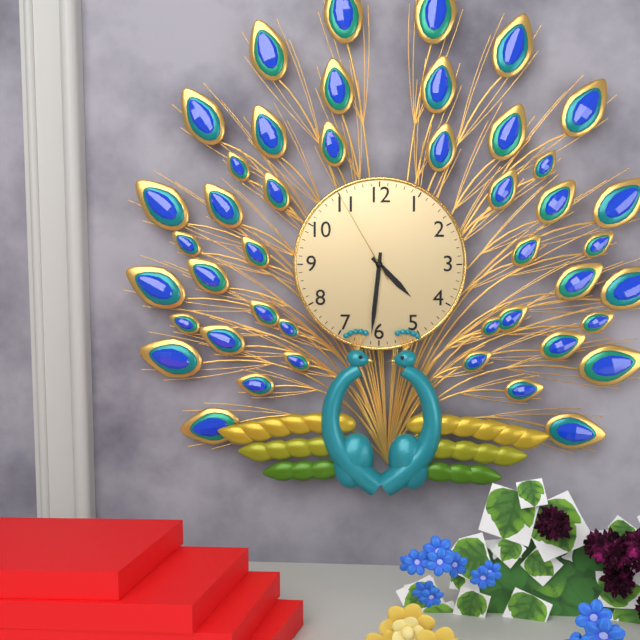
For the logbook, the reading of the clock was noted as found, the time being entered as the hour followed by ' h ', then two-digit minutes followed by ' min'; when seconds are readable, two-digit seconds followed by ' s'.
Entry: 4 h 31 min 55 s
